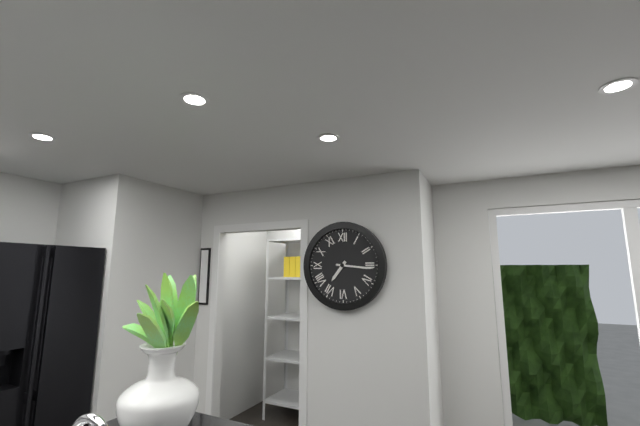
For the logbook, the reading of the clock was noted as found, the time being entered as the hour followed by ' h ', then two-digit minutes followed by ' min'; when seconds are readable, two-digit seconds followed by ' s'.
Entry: 7 h 16 min
